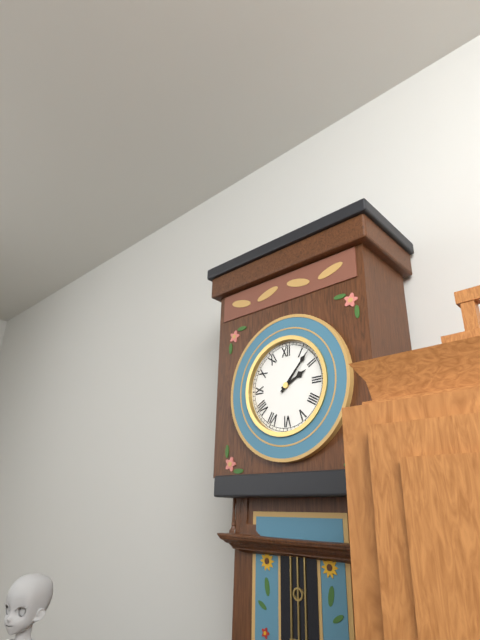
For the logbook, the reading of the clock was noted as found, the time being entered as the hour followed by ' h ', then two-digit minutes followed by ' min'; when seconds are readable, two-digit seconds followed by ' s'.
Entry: 2 h 07 min
